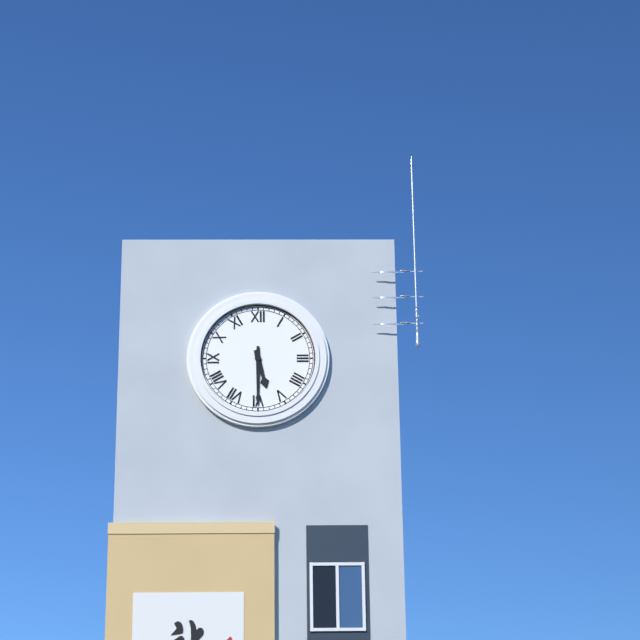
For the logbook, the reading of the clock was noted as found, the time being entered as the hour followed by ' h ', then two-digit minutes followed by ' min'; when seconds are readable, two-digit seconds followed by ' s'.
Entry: 5 h 30 min
